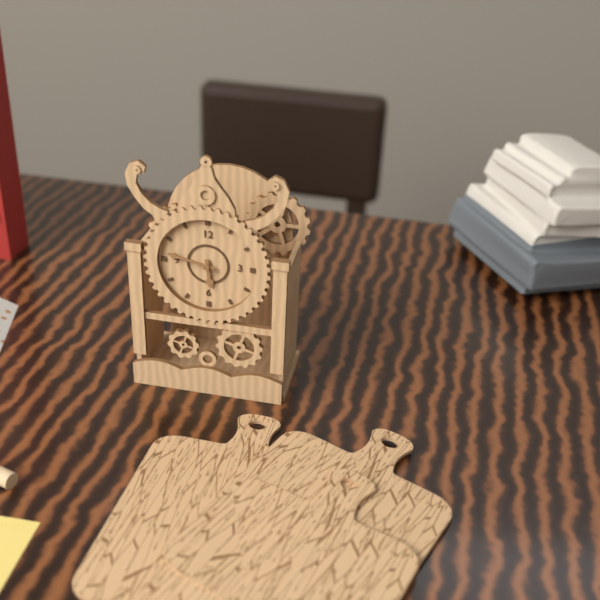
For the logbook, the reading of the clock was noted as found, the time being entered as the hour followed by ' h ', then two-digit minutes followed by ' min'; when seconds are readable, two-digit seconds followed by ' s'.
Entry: 5 h 47 min
